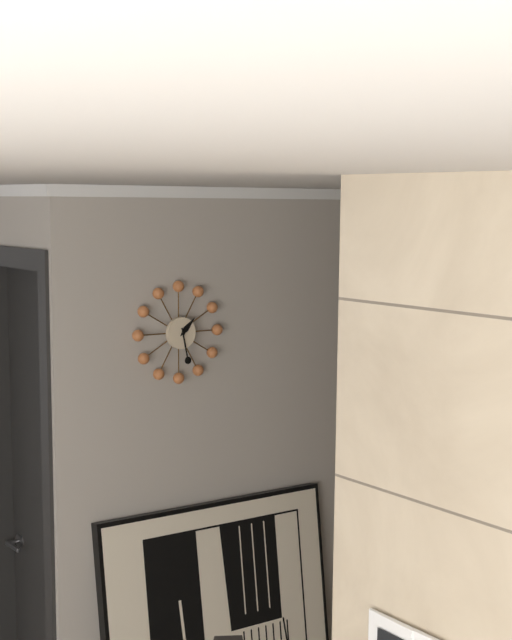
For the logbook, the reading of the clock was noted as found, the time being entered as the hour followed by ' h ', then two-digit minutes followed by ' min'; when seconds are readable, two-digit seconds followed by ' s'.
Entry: 1 h 28 min
